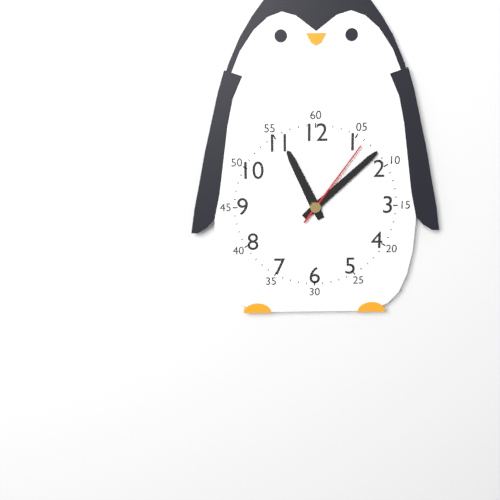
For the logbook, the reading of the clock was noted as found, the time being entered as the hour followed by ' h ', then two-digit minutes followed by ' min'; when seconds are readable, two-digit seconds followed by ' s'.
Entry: 11 h 08 min 06 s
